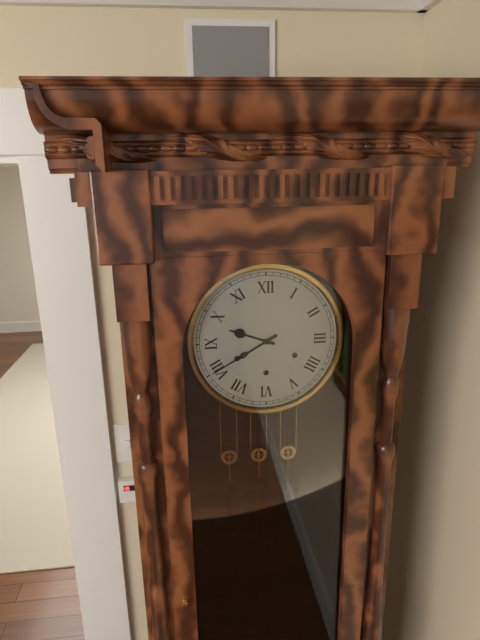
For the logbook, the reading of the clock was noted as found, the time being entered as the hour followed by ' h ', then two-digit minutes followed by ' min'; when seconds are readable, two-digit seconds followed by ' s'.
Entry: 9 h 40 min
